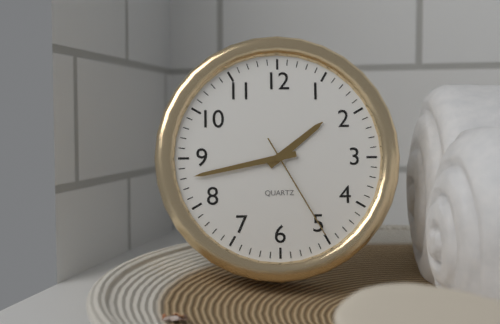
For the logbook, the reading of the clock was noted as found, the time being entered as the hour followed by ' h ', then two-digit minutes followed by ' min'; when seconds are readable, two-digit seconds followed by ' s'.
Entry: 1 h 43 min 25 s
